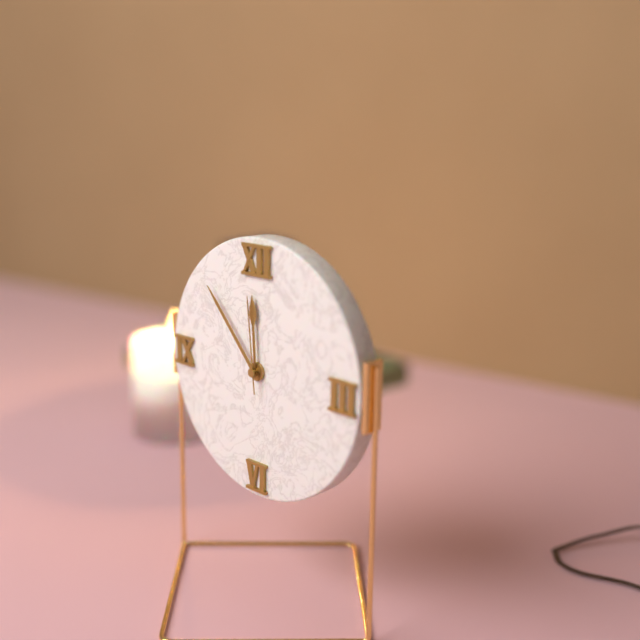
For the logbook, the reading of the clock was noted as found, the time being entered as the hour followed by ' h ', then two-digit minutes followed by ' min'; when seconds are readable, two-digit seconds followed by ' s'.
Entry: 11 h 53 min 59 s
